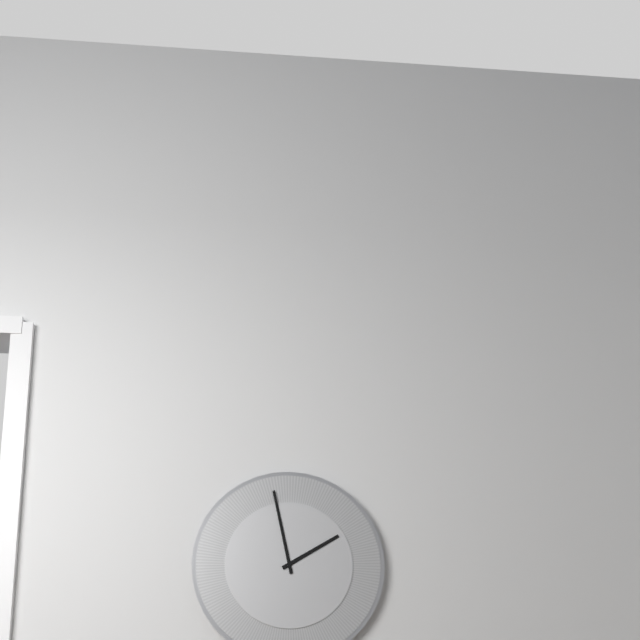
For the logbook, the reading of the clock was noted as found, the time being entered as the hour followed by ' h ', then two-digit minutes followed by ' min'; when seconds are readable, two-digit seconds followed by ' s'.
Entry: 1 h 58 min
